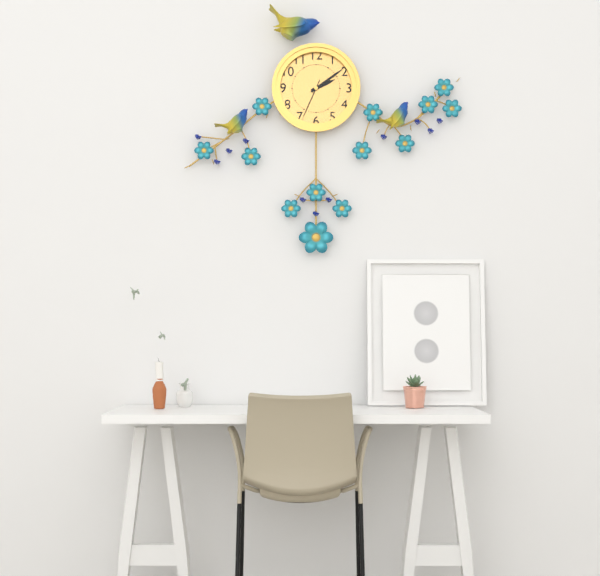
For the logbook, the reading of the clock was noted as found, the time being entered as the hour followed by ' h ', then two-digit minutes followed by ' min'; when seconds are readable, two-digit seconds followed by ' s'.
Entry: 2 h 09 min
